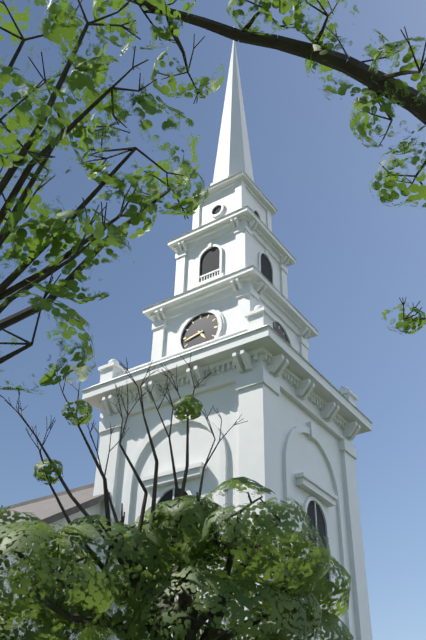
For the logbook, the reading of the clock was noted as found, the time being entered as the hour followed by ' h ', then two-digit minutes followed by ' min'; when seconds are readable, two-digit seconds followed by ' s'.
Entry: 4 h 43 min
